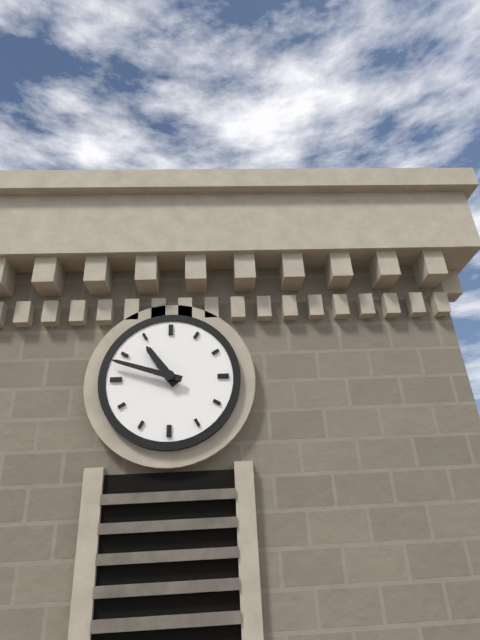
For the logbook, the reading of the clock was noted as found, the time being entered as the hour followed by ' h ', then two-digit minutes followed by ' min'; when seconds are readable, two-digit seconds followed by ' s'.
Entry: 10 h 48 min
